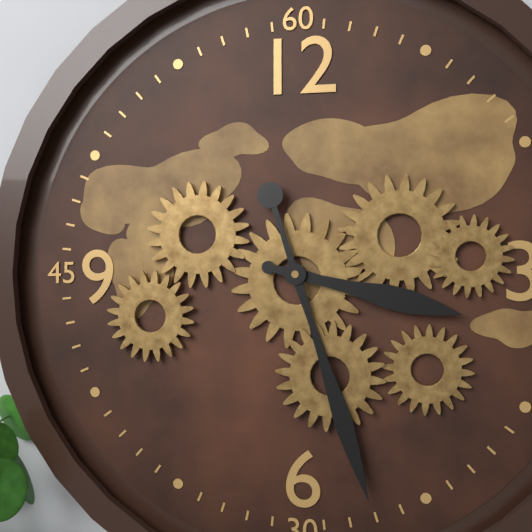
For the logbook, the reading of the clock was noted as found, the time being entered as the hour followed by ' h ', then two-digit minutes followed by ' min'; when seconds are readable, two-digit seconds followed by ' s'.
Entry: 3 h 27 min
